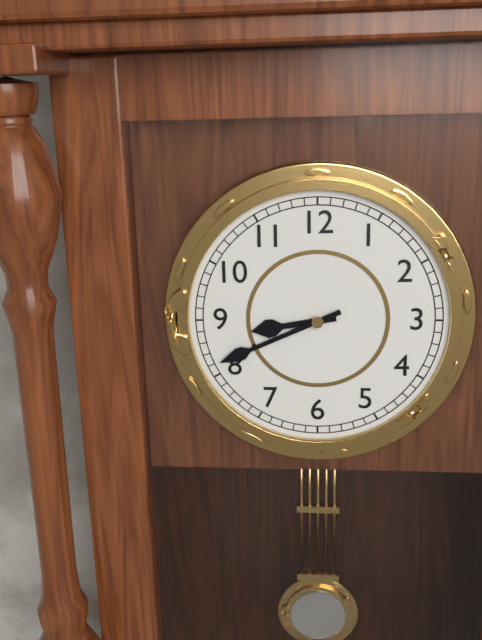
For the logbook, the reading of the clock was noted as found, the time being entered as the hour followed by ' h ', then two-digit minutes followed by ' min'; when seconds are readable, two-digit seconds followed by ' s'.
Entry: 8 h 41 min
